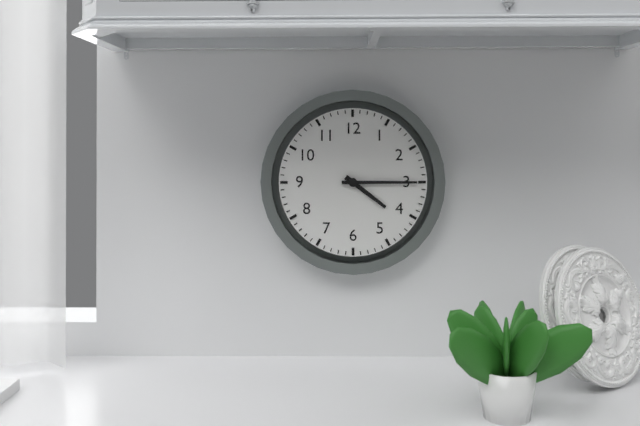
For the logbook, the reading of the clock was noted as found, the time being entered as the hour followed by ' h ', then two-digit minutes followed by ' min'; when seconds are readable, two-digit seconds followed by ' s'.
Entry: 4 h 15 min
